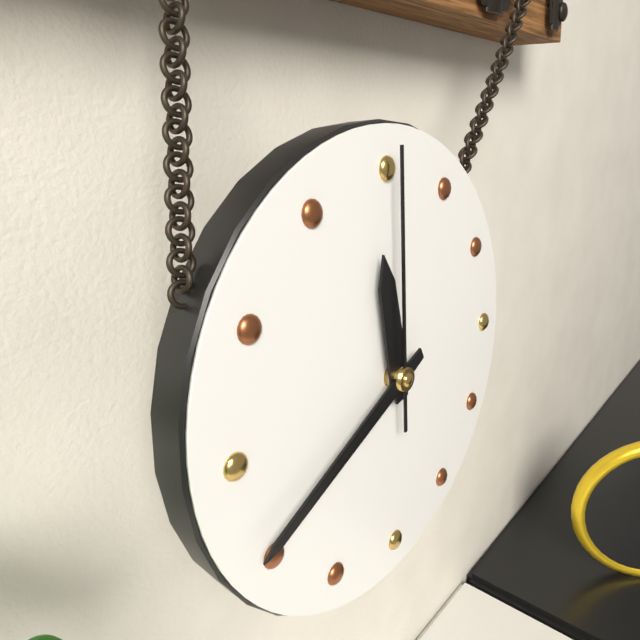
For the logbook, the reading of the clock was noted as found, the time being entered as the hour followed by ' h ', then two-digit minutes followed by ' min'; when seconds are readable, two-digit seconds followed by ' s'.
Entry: 11 h 41 min 00 s
